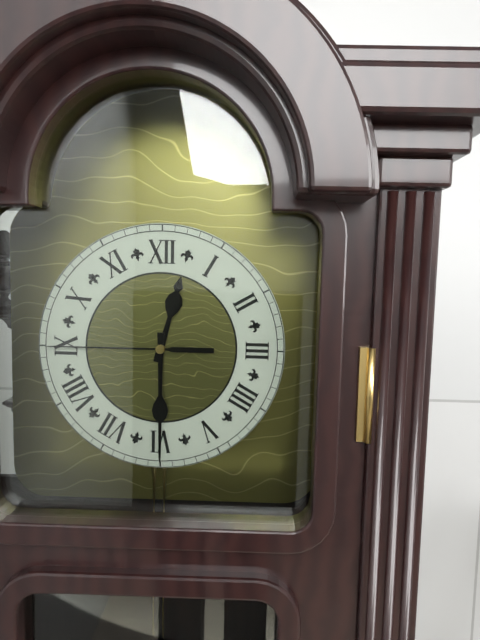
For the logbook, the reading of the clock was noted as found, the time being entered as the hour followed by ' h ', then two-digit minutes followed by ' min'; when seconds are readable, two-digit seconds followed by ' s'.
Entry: 12 h 30 min 45 s
